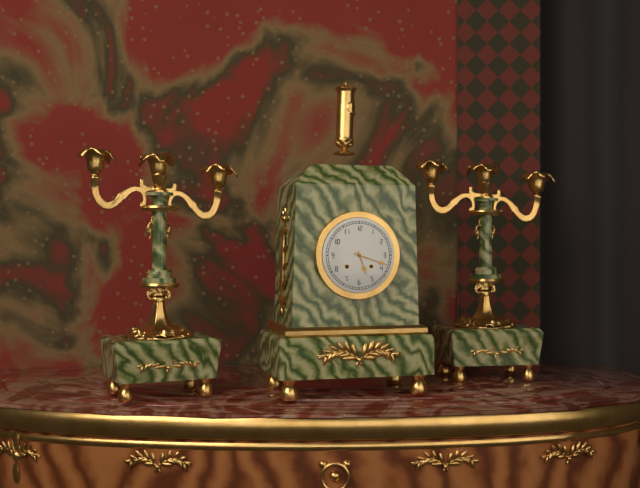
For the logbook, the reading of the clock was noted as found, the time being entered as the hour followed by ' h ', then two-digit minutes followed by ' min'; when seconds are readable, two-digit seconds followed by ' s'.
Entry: 5 h 18 min
